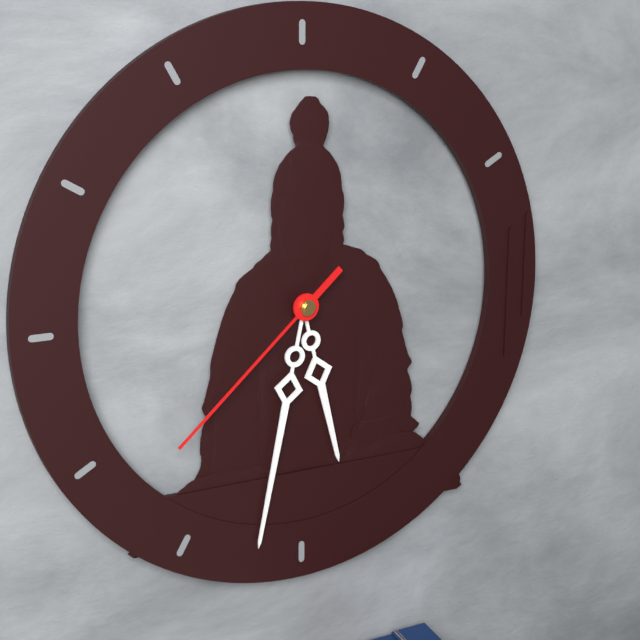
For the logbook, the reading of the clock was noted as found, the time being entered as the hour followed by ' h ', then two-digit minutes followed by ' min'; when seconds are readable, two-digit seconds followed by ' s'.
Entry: 5 h 32 min 38 s
